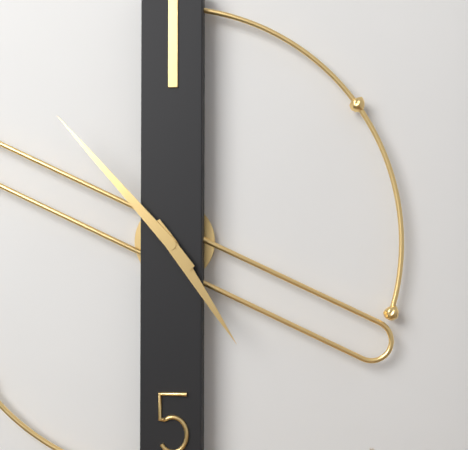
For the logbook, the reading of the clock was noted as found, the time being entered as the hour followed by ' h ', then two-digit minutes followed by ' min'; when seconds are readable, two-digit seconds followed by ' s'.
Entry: 4 h 53 min
